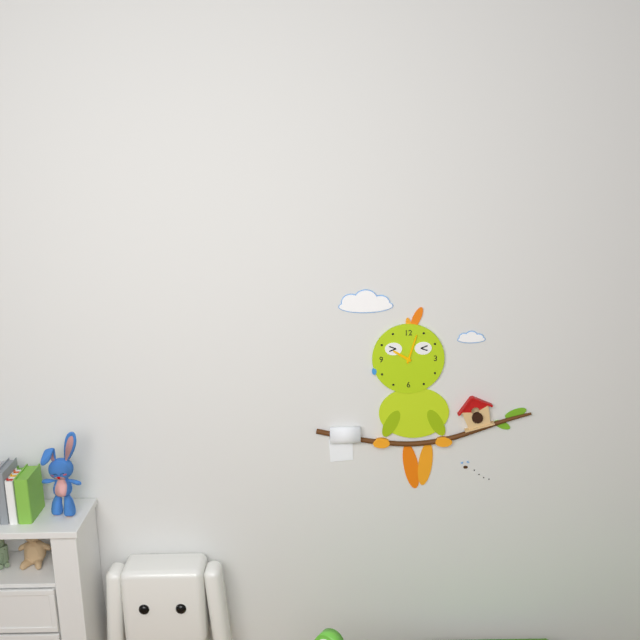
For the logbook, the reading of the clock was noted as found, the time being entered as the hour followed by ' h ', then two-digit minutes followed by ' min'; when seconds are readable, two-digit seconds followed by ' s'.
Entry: 10 h 03 min
